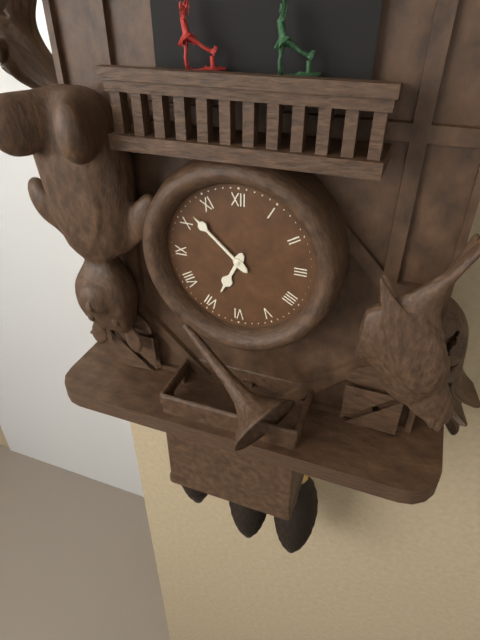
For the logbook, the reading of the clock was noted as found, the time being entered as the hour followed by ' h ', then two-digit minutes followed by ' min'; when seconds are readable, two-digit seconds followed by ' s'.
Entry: 6 h 52 min
